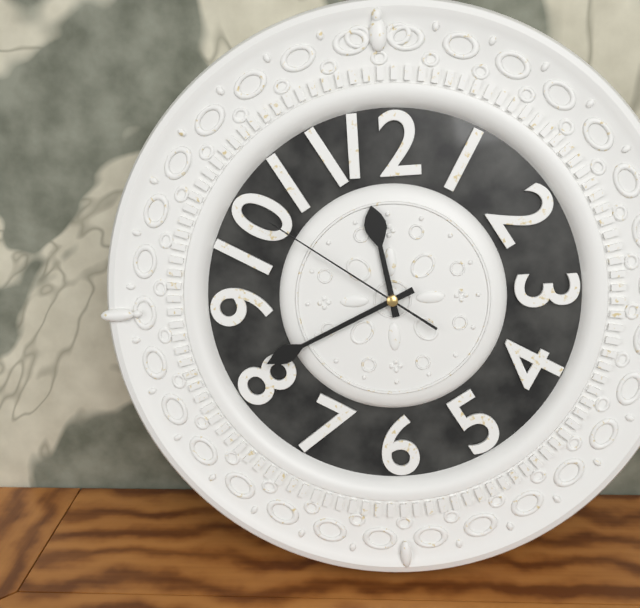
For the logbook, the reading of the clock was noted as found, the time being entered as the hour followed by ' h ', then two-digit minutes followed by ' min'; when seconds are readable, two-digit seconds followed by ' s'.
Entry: 11 h 41 min 51 s
